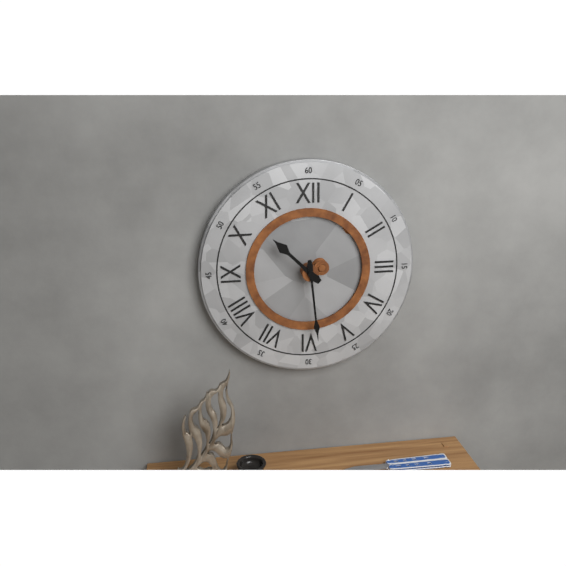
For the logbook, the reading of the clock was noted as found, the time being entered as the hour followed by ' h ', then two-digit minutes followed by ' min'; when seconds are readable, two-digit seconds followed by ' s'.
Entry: 10 h 29 min
